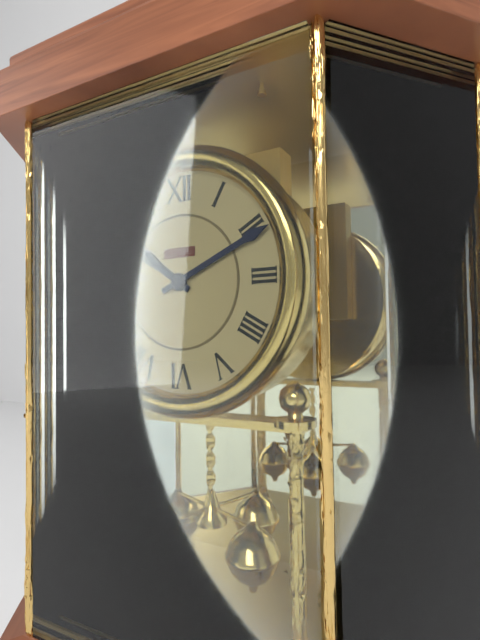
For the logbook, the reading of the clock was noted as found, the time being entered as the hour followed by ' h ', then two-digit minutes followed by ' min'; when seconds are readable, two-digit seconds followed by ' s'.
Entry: 10 h 11 min
